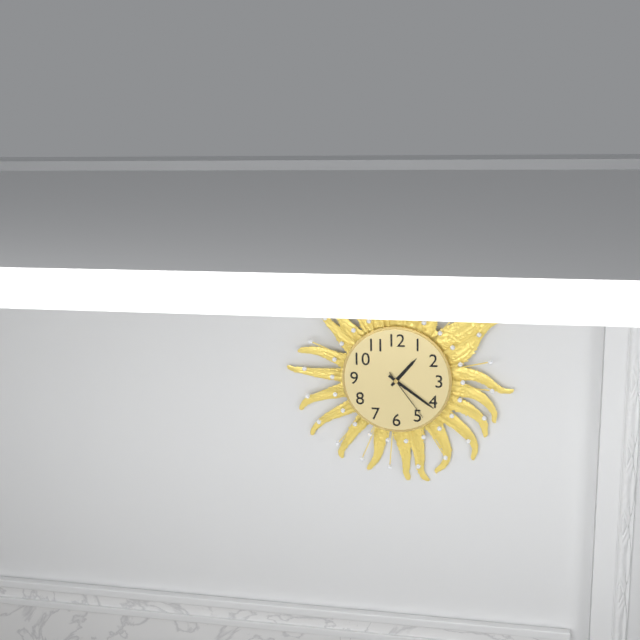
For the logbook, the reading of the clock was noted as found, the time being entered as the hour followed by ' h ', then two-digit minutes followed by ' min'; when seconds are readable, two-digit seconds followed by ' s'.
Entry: 1 h 21 min 24 s
